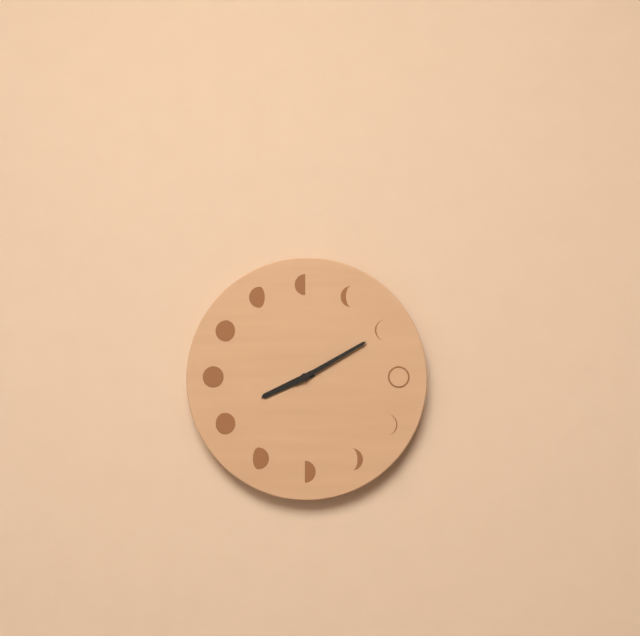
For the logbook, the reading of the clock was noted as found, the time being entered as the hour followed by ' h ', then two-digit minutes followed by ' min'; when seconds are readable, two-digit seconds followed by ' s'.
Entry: 8 h 10 min
